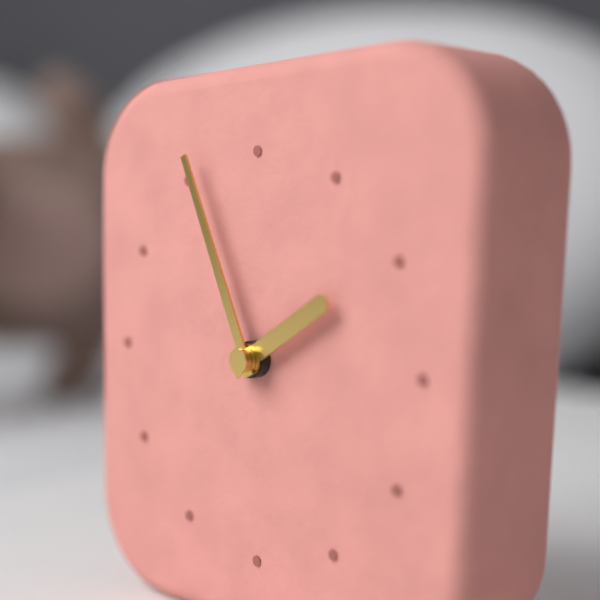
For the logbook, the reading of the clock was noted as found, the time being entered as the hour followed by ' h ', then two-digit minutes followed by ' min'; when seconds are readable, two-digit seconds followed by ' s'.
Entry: 1 h 56 min
